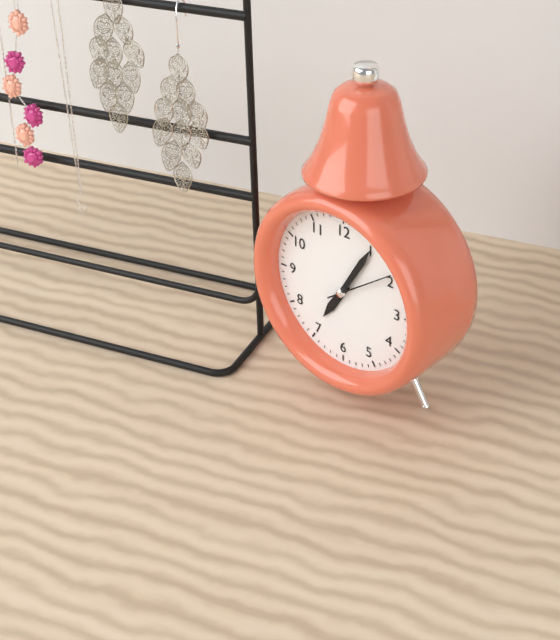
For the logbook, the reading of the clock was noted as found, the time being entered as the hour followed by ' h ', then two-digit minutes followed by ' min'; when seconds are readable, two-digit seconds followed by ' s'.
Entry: 7 h 05 min 09 s
